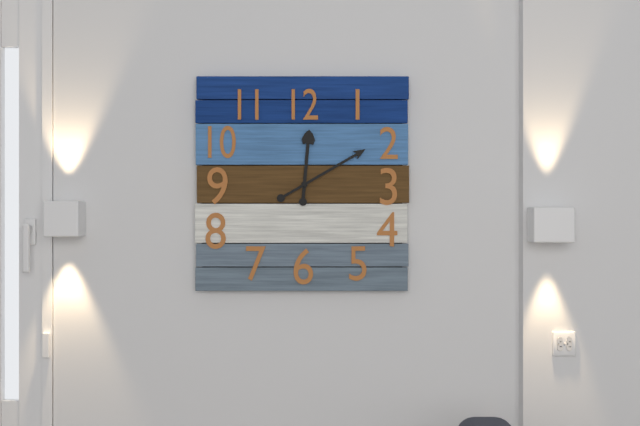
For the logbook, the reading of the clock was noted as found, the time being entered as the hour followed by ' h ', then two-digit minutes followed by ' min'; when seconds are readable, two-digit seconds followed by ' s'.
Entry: 12 h 10 min
